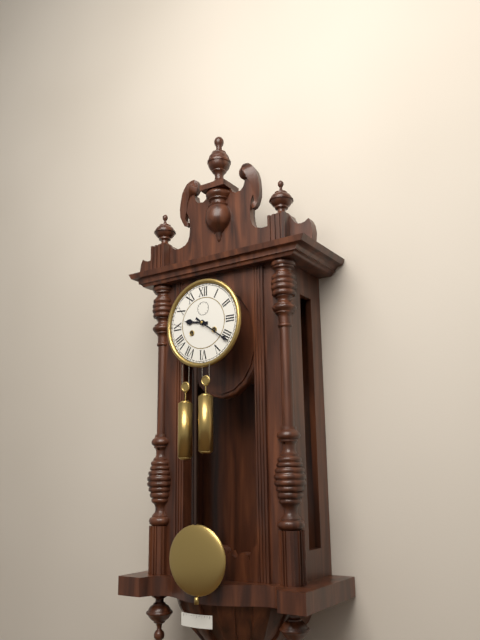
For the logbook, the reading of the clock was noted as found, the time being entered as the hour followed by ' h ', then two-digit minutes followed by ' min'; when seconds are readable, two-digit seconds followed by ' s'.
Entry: 9 h 21 min
